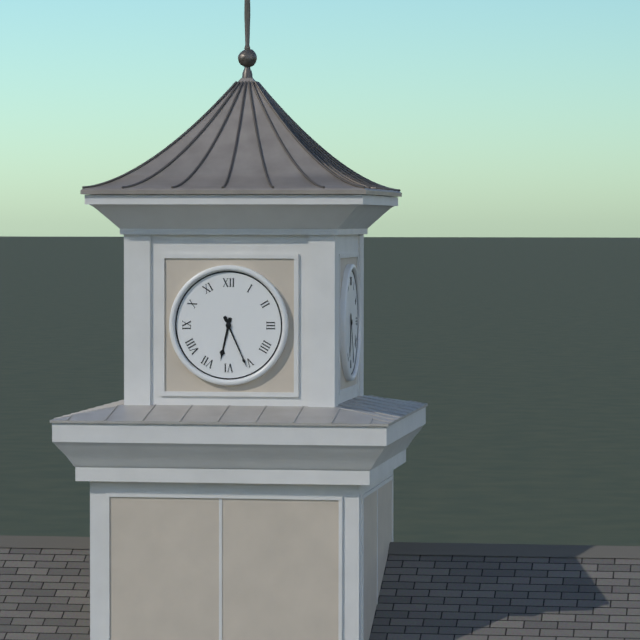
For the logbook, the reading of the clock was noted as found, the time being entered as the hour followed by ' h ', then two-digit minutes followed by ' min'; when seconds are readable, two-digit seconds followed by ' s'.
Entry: 6 h 26 min
